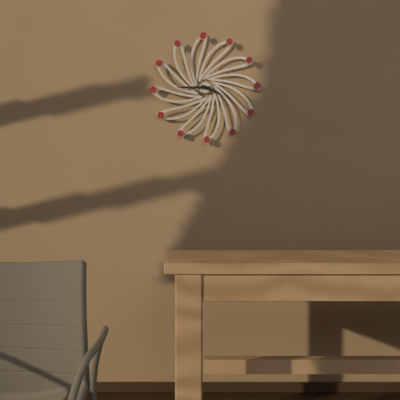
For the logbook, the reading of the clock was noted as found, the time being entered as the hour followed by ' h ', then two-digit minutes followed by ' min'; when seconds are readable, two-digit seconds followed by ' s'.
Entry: 3 h 45 min
